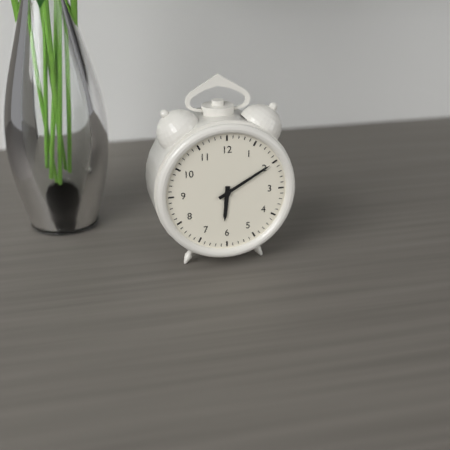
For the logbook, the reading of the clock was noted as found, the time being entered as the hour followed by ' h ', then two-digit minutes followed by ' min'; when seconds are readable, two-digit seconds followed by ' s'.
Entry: 6 h 10 min
